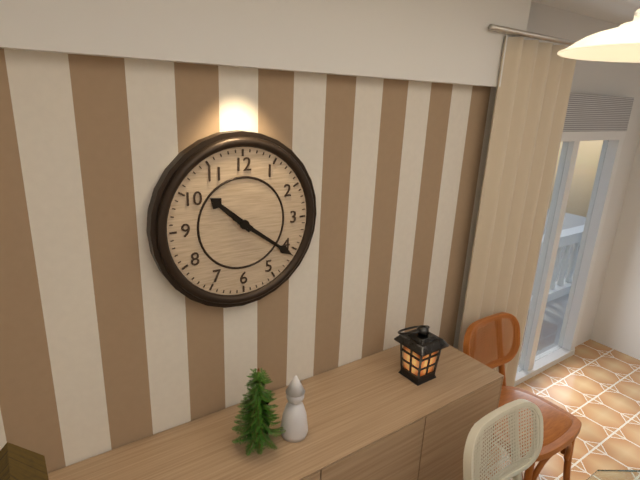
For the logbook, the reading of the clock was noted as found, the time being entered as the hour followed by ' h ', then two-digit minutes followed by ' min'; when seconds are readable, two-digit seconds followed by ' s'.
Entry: 10 h 21 min
